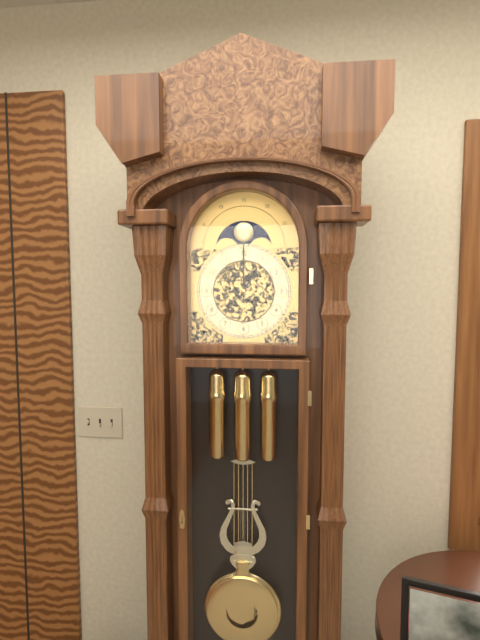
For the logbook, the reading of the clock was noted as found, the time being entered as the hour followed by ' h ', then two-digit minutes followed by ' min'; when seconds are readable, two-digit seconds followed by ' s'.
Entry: 1 h 00 min
